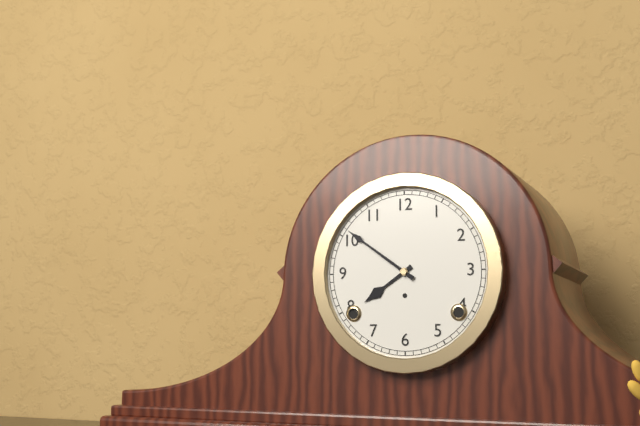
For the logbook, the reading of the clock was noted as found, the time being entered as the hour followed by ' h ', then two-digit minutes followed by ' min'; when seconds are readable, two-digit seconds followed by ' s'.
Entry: 7 h 51 min
